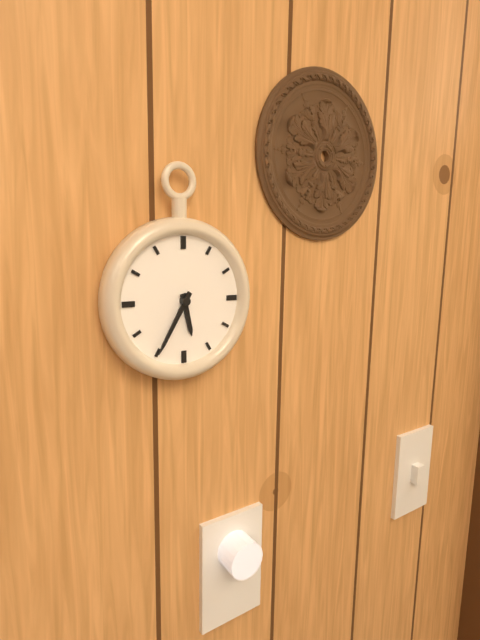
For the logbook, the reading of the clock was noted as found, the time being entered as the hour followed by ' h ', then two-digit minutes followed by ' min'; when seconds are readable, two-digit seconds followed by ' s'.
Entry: 5 h 35 min
